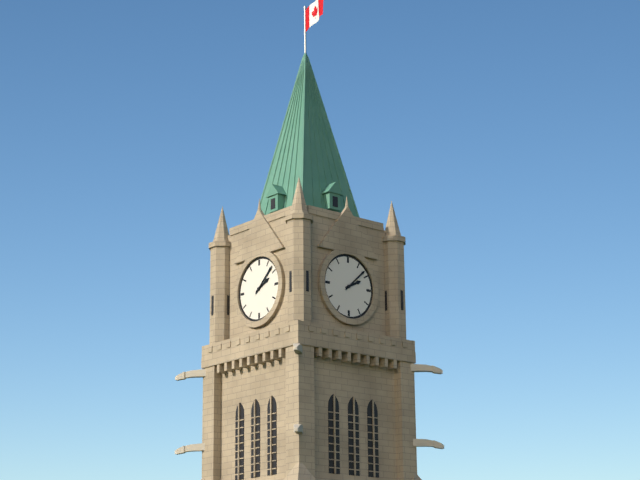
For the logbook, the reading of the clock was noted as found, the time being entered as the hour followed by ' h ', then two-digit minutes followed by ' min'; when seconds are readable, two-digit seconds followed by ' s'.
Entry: 2 h 08 min
